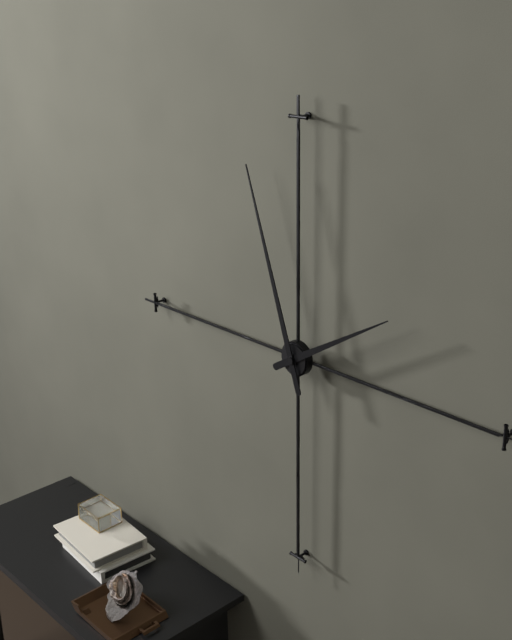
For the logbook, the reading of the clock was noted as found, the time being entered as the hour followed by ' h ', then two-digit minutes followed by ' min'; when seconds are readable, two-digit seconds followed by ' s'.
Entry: 1 h 57 min
